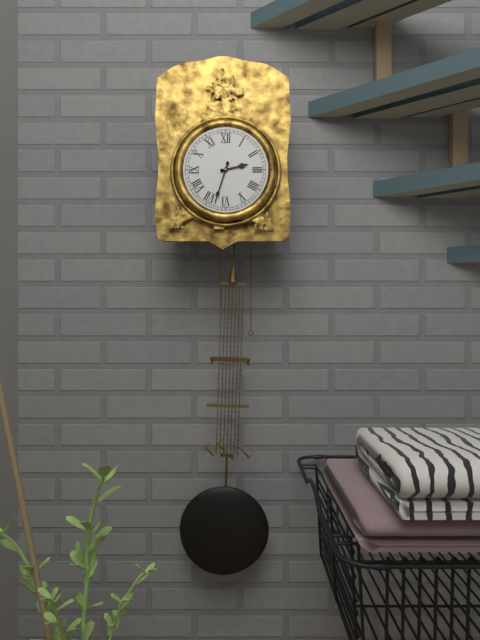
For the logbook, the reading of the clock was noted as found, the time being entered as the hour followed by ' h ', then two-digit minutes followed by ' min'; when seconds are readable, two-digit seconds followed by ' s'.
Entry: 2 h 33 min
